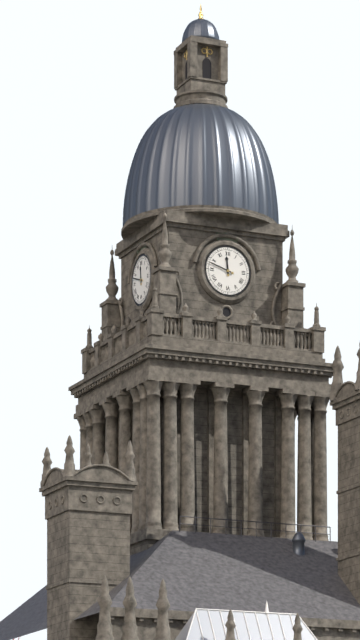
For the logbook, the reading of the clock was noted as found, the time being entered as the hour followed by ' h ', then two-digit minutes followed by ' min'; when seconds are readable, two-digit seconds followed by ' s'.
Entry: 11 h 48 min
